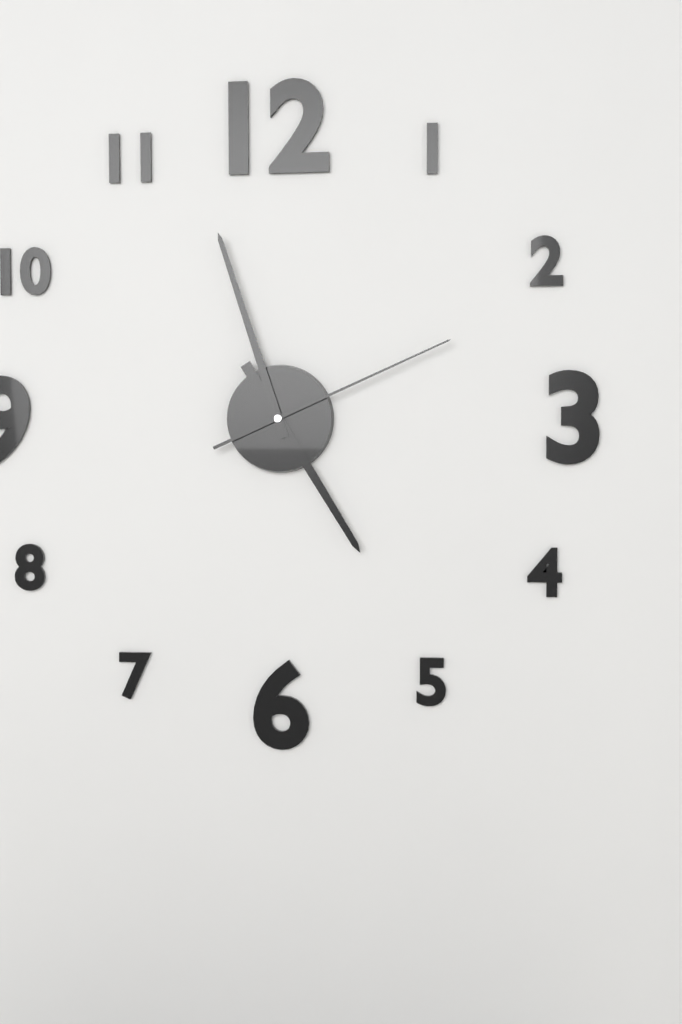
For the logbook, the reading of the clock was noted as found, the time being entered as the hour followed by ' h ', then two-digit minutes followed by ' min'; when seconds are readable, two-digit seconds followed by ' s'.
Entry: 4 h 57 min 11 s
